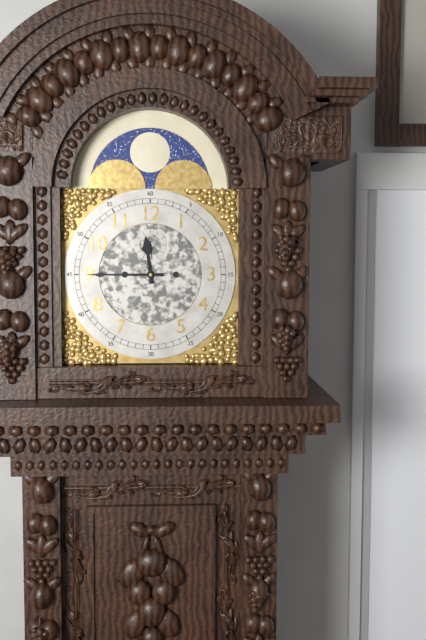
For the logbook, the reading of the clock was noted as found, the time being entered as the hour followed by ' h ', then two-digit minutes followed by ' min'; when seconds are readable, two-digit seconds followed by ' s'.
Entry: 11 h 45 min
